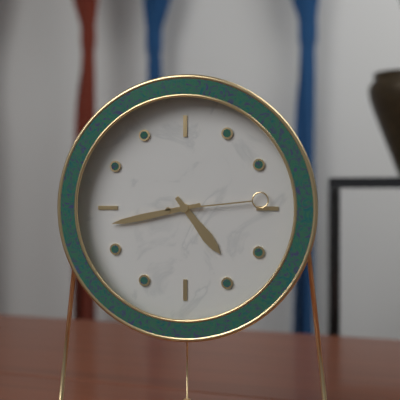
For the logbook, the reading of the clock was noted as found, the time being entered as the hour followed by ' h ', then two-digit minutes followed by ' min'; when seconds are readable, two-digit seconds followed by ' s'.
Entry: 4 h 43 min 14 s
